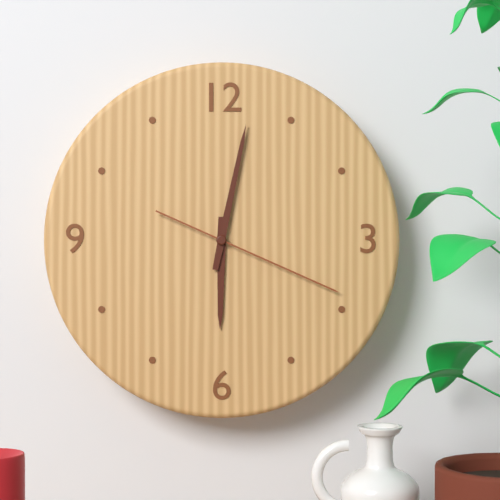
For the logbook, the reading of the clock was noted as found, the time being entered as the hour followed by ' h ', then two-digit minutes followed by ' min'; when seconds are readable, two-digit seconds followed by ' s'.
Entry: 6 h 02 min 19 s
